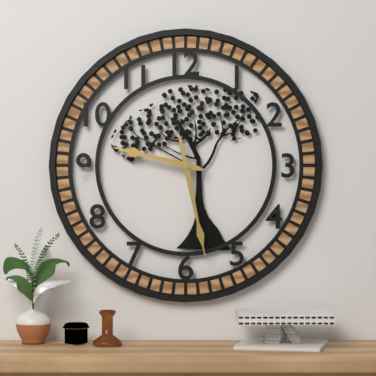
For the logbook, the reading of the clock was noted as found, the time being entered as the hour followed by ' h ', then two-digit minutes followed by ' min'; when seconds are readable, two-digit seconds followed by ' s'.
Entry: 9 h 28 min
